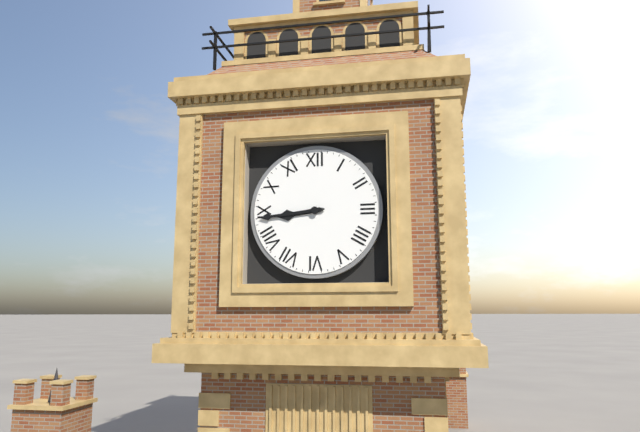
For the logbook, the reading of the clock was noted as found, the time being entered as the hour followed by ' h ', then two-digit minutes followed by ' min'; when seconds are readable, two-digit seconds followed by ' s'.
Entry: 8 h 44 min
